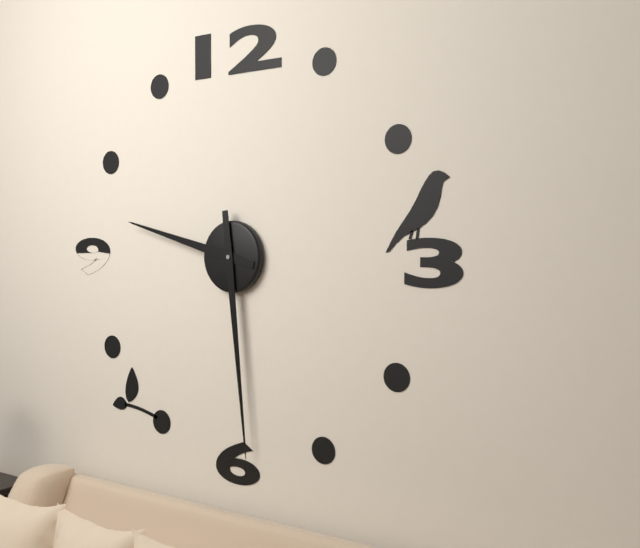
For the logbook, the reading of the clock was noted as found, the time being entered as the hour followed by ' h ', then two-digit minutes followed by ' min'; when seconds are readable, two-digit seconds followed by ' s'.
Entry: 9 h 29 min
